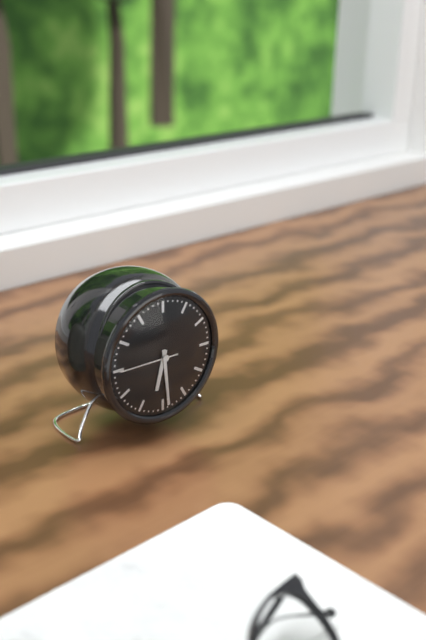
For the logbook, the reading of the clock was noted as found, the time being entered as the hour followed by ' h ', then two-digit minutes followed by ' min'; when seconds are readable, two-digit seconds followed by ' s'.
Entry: 6 h 29 min 45 s
